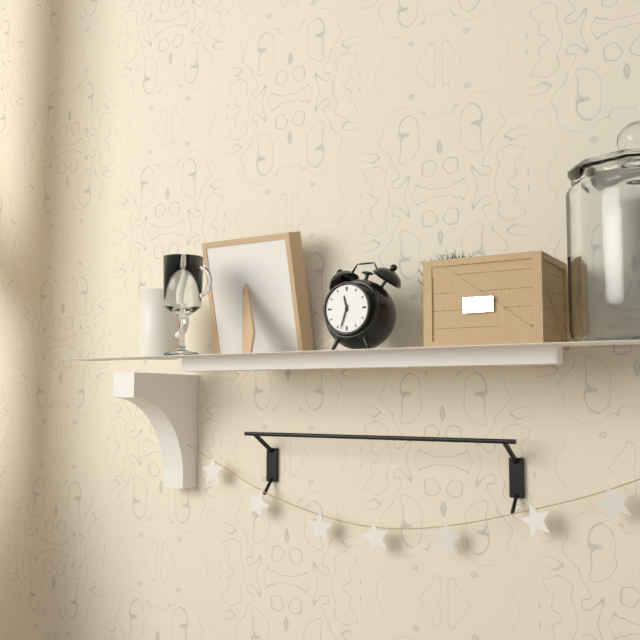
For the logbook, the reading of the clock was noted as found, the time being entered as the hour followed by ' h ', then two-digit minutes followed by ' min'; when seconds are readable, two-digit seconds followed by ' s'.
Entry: 11 h 33 min
